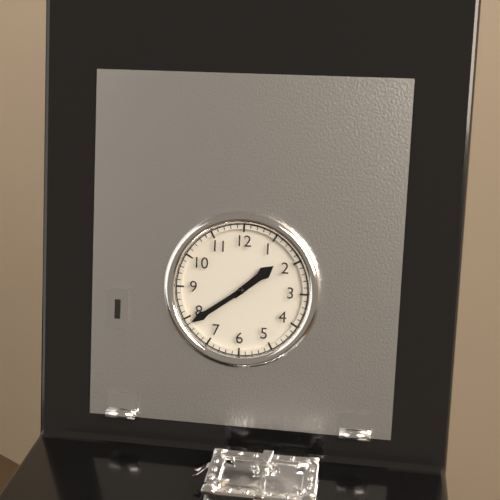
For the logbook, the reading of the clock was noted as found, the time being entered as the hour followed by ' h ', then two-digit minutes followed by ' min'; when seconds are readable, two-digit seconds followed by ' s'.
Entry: 1 h 39 min
